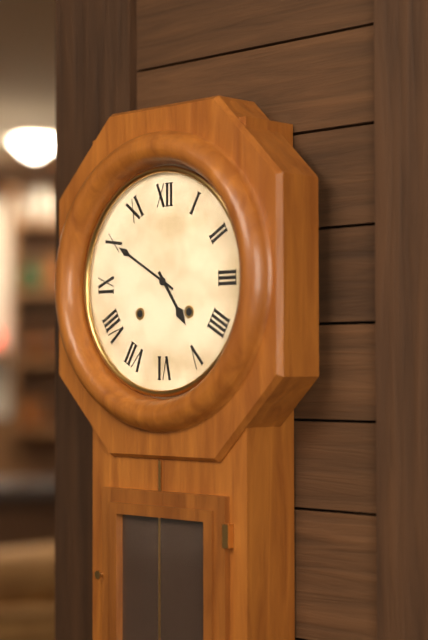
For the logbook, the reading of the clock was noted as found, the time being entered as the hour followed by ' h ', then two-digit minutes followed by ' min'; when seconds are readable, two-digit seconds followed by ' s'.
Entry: 4 h 50 min
